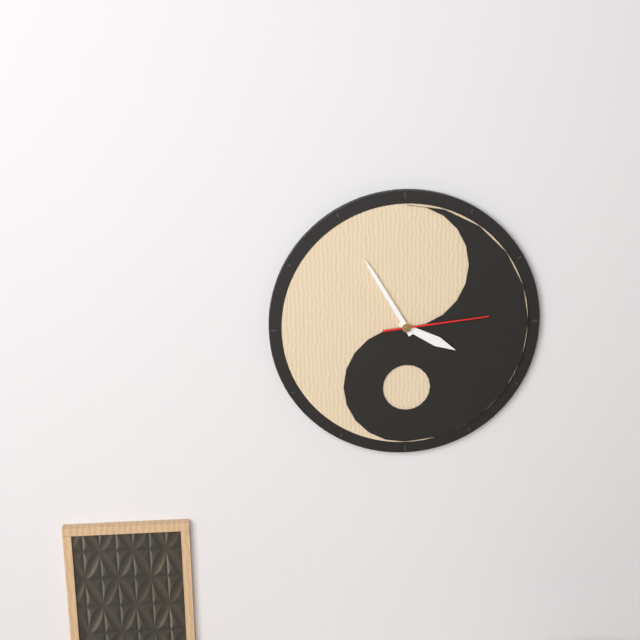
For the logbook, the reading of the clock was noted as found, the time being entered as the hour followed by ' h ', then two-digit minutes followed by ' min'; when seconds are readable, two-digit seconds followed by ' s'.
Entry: 3 h 55 min 14 s
